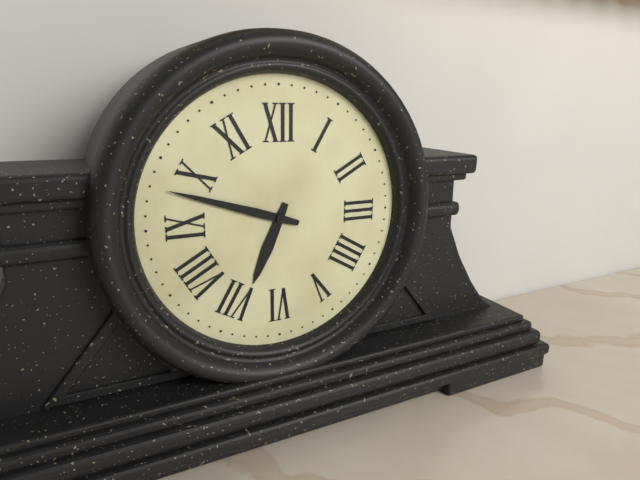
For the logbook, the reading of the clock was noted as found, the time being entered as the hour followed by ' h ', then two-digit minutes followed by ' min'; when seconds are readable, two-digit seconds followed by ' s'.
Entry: 6 h 48 min
